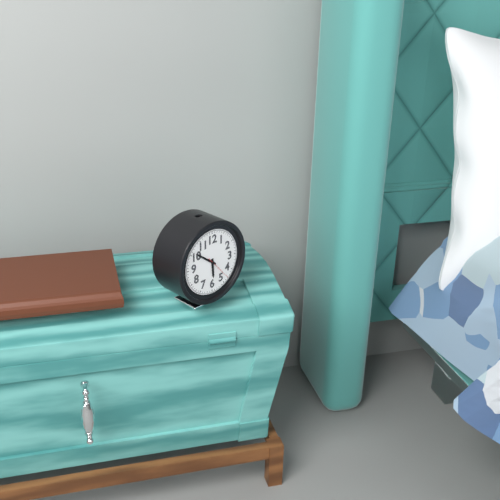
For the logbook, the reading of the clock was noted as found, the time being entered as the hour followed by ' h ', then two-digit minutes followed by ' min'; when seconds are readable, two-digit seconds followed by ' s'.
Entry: 5 h 51 min
